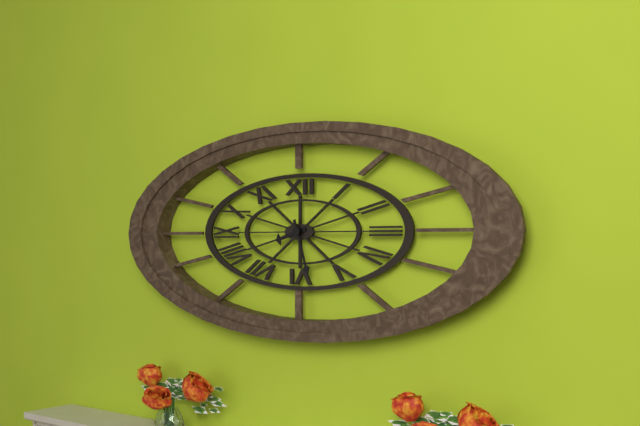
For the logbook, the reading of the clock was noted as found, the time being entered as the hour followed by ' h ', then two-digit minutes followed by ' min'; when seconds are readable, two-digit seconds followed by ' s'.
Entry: 8 h 27 min
